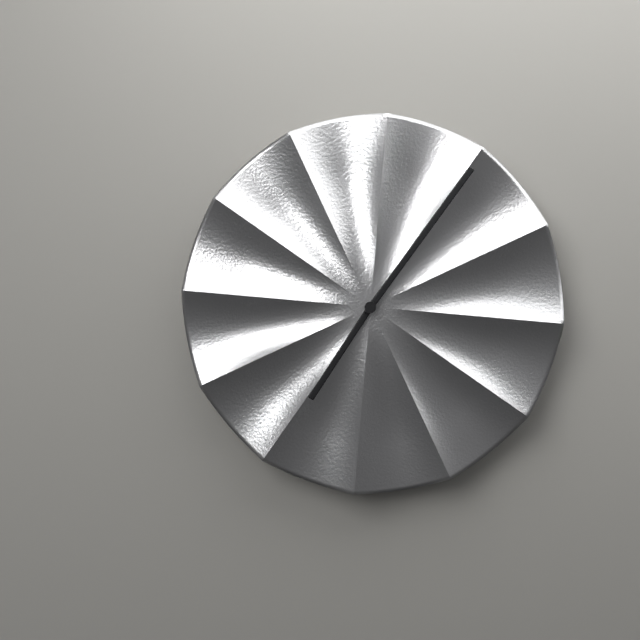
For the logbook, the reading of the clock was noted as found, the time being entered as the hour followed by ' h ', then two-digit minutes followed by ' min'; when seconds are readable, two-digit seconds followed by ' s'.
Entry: 7 h 06 min
